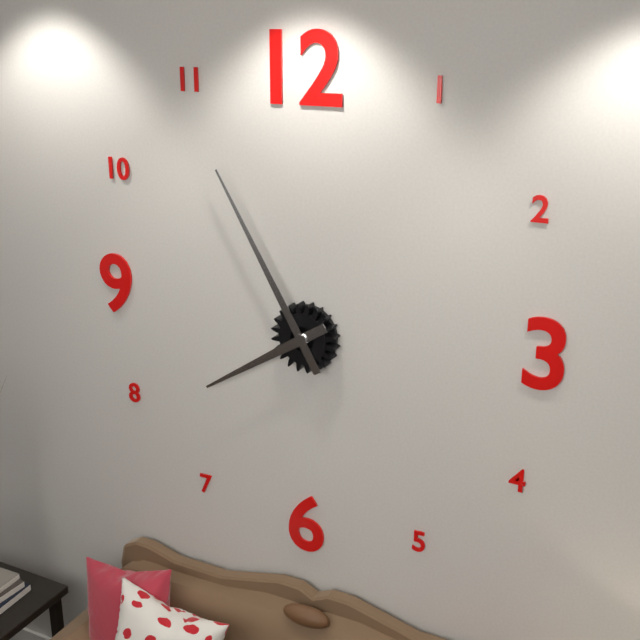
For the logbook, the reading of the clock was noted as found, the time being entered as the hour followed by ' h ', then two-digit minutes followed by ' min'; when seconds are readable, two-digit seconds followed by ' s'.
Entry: 7 h 55 min
